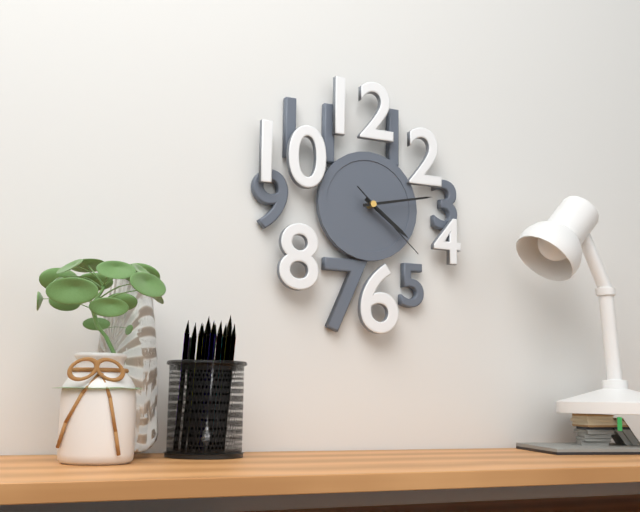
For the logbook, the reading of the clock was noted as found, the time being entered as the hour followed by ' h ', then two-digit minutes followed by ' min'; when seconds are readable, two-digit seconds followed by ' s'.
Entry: 4 h 13 min 22 s
